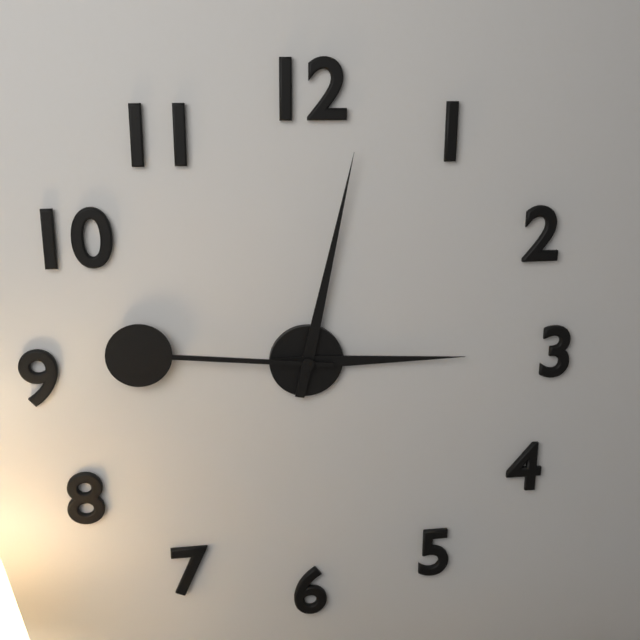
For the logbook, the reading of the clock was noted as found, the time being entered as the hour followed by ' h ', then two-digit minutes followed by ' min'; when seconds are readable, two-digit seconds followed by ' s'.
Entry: 3 h 02 min 46 s
